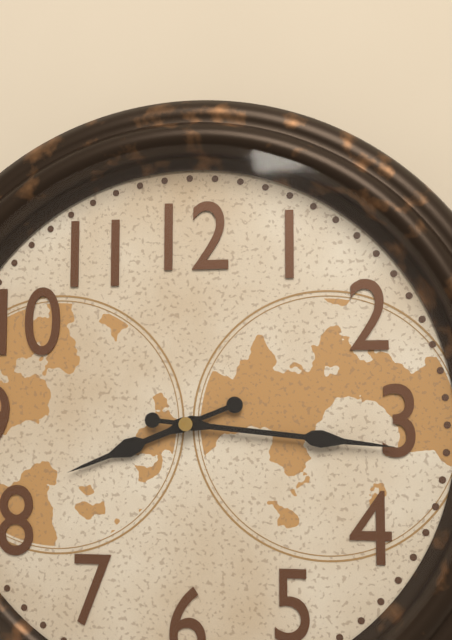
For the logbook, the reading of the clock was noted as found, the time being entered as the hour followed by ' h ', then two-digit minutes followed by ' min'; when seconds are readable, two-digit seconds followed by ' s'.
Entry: 8 h 16 min
